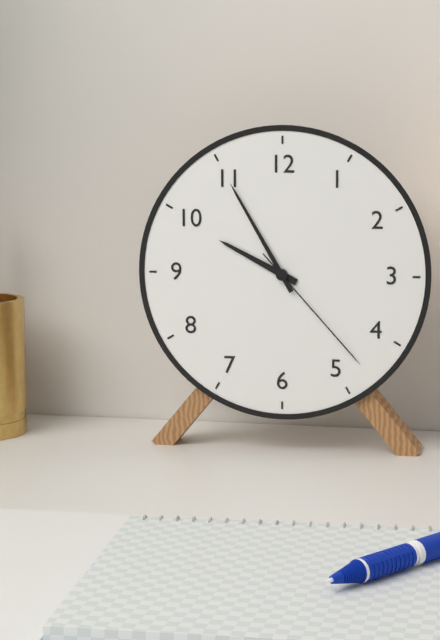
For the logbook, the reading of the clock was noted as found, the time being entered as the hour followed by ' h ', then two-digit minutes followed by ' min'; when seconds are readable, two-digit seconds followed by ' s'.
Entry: 9 h 55 min 23 s
